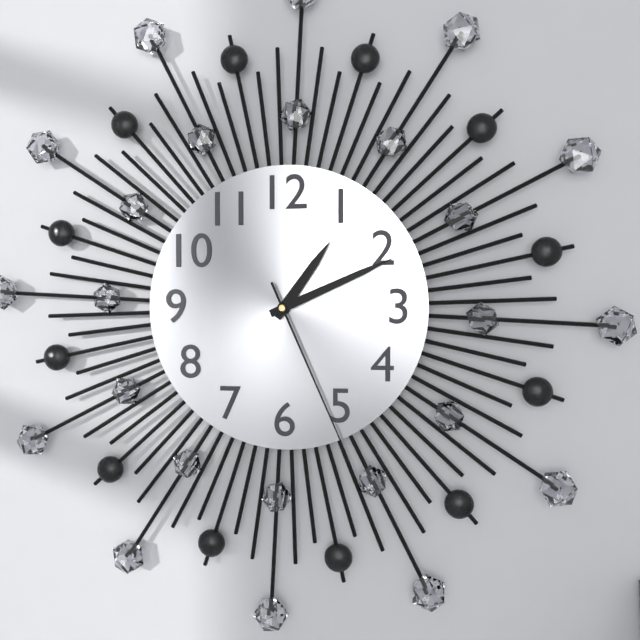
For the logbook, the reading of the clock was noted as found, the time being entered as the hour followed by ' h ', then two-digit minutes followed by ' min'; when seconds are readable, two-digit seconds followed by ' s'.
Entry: 1 h 11 min 26 s
